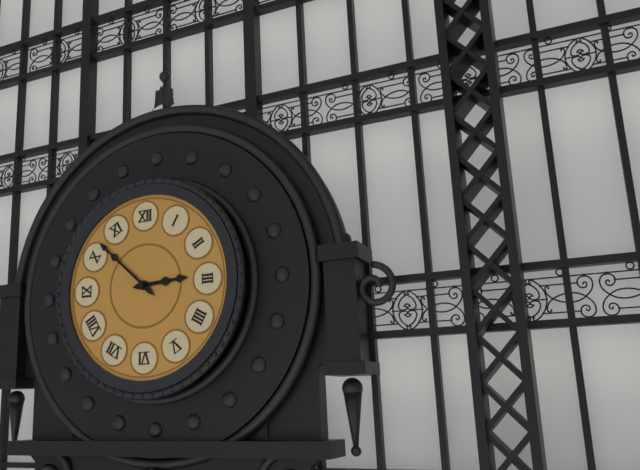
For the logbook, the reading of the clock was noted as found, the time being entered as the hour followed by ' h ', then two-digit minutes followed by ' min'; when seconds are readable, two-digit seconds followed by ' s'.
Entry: 2 h 52 min
